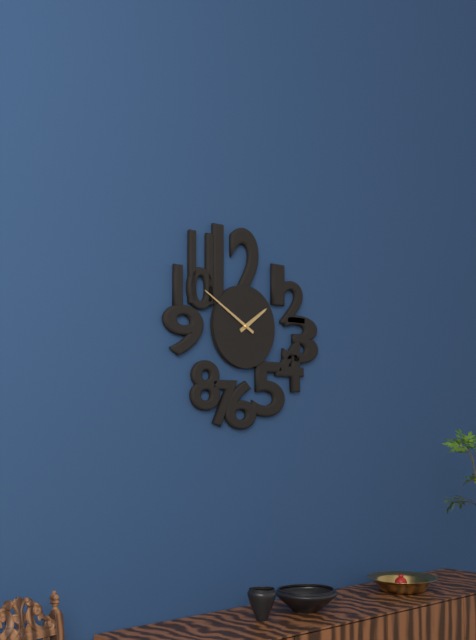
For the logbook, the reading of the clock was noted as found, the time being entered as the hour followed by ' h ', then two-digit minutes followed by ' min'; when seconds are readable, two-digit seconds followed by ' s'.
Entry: 1 h 50 min
